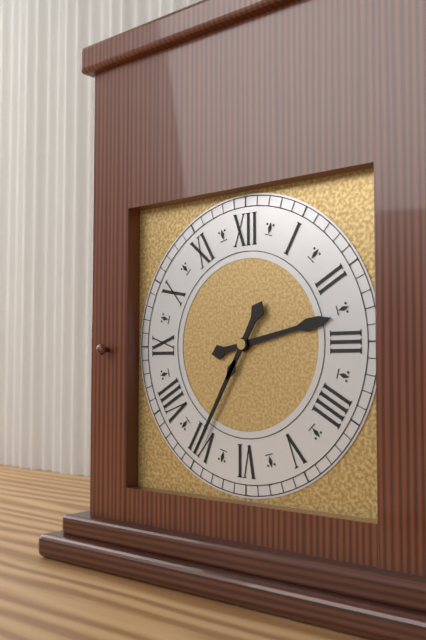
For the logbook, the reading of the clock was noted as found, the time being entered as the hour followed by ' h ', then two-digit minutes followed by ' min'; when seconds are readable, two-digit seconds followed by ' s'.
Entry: 2 h 35 min
